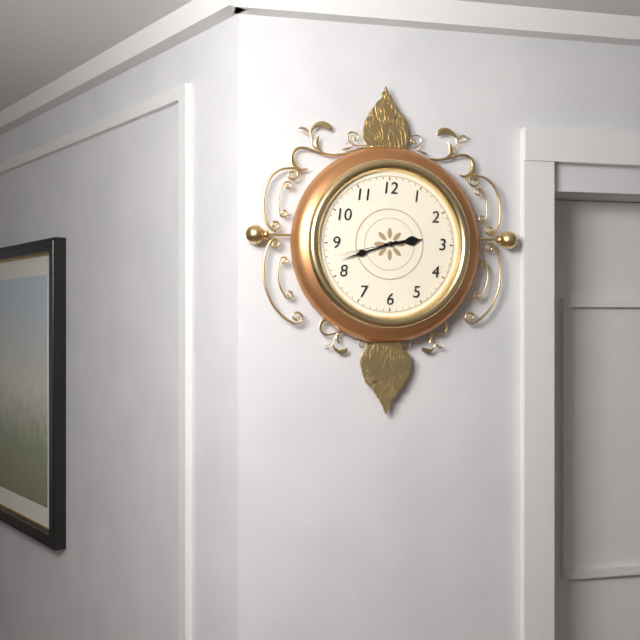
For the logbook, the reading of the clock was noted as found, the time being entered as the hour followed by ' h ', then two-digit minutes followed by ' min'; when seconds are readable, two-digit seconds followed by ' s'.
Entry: 2 h 42 min 43 s
